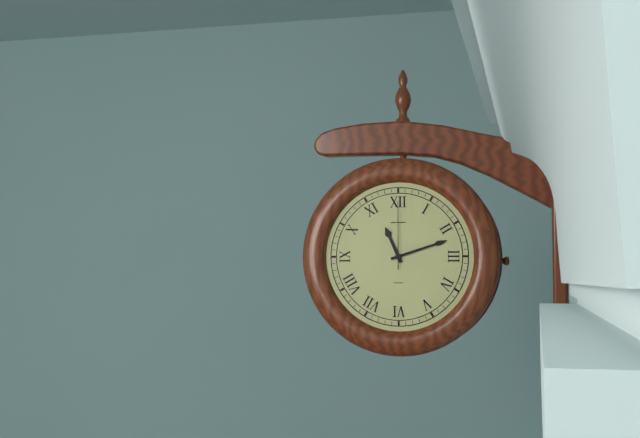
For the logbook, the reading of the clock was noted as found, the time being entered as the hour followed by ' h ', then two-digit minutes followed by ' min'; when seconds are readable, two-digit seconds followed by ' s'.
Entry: 11 h 12 min 00 s
